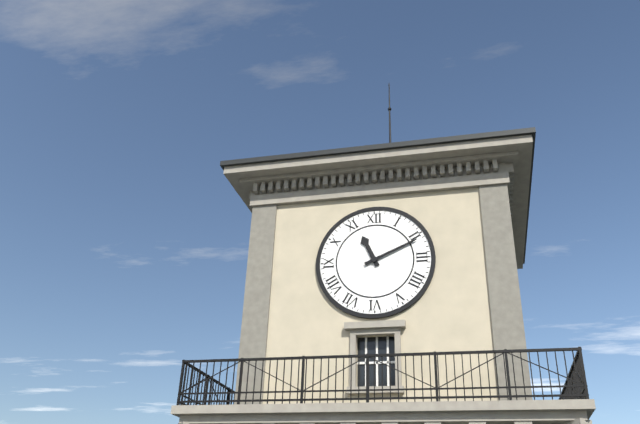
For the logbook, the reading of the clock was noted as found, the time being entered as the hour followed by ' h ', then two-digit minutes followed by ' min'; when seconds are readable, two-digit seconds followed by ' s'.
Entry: 11 h 11 min
